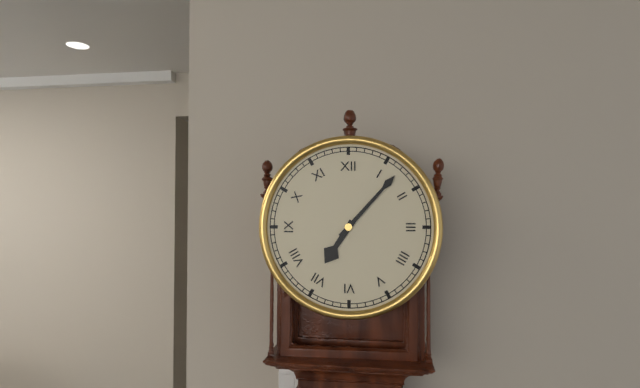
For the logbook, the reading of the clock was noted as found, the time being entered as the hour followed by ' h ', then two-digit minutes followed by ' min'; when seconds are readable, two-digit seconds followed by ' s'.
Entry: 7 h 07 min
